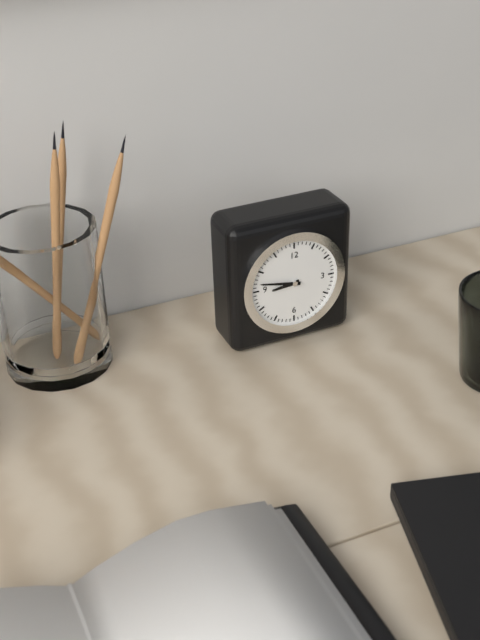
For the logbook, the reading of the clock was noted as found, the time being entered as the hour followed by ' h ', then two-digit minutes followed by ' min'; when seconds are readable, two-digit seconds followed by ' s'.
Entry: 8 h 47 min
